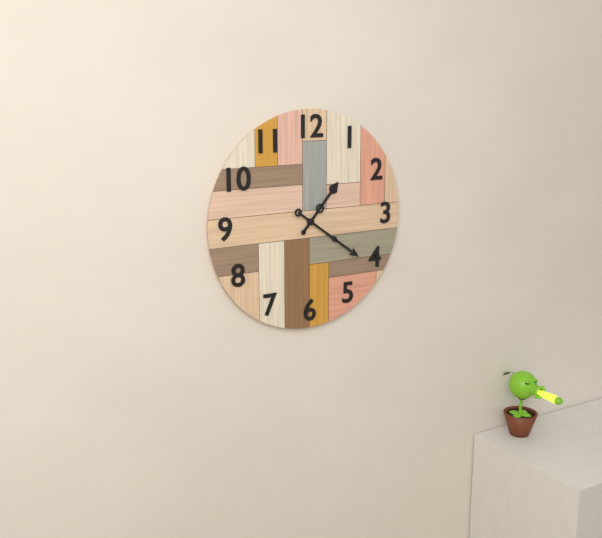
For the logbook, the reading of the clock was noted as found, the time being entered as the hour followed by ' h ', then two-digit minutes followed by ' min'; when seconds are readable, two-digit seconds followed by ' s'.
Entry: 1 h 21 min
